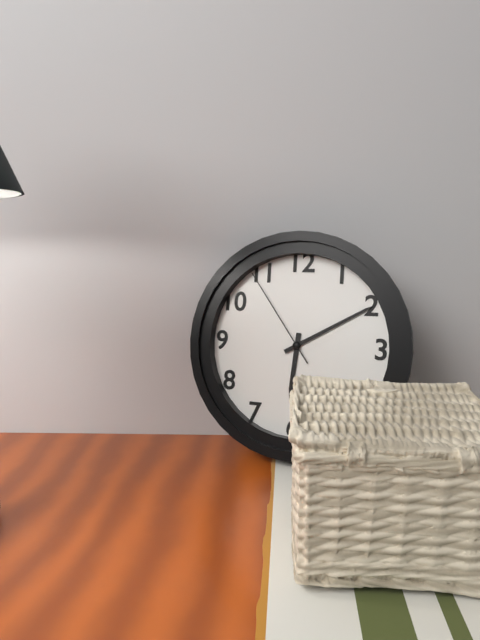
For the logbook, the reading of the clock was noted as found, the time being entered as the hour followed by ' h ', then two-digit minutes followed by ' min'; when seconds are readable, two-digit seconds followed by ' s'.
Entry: 6 h 10 min 54 s
